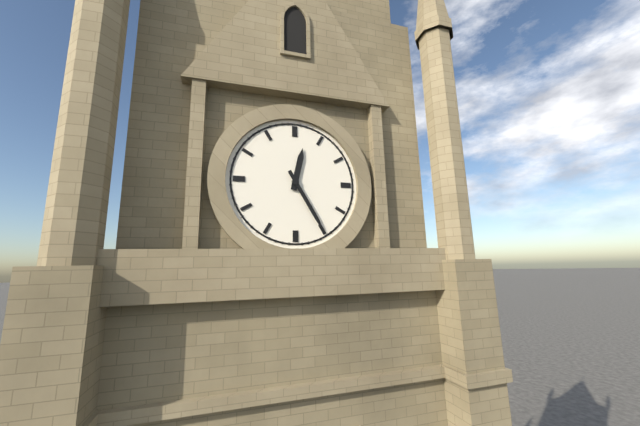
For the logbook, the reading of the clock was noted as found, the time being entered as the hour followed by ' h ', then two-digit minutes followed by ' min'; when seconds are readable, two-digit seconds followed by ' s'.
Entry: 12 h 25 min
